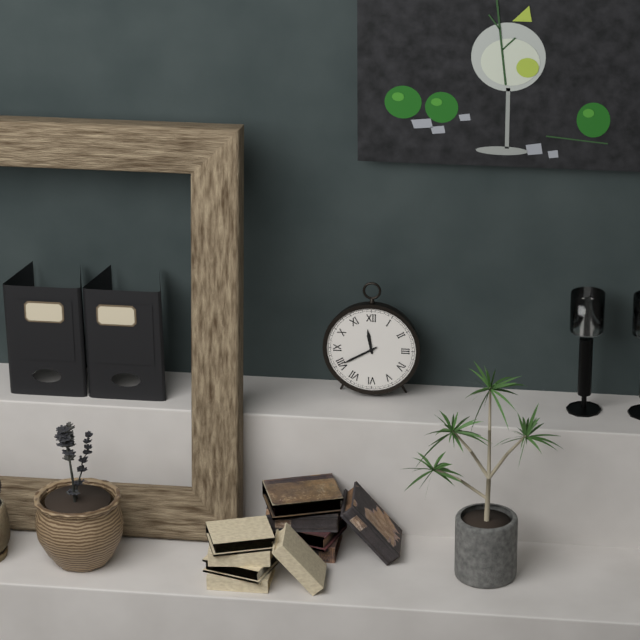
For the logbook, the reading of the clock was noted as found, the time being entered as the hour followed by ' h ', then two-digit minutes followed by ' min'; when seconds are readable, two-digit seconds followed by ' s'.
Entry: 11 h 40 min
